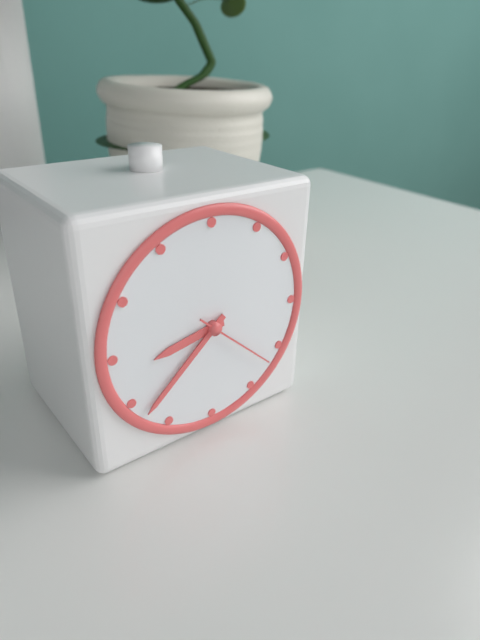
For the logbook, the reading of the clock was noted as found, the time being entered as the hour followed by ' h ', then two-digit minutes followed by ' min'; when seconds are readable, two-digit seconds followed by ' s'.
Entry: 8 h 38 min 22 s
